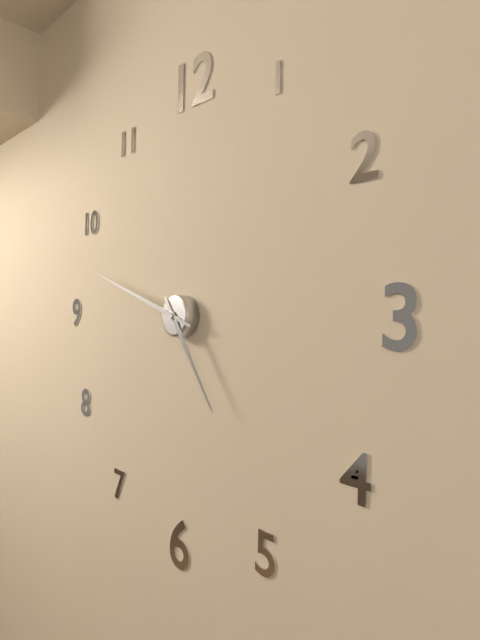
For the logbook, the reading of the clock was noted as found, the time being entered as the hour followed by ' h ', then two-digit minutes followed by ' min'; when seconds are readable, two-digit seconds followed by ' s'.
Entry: 4 h 48 min
